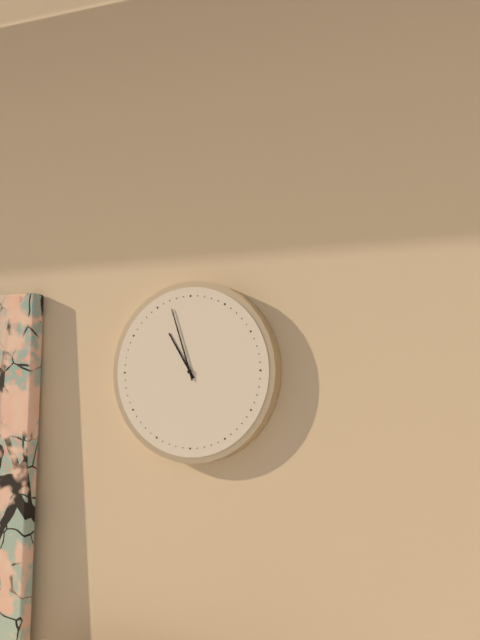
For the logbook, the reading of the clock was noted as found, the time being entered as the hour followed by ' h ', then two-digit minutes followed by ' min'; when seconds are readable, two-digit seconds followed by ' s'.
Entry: 10 h 57 min
